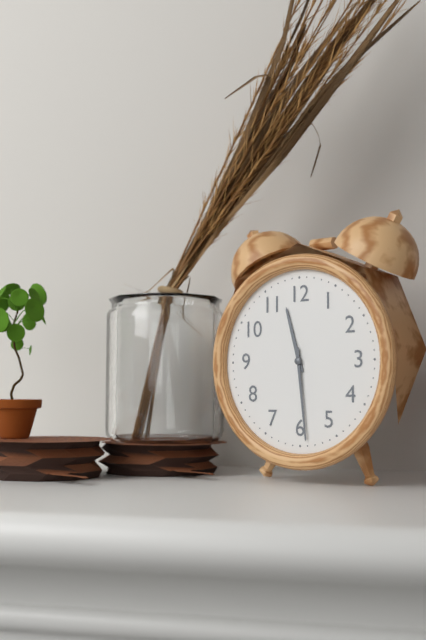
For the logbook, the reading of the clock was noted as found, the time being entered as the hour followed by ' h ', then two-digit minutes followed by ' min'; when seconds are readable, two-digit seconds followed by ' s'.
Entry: 11 h 29 min
